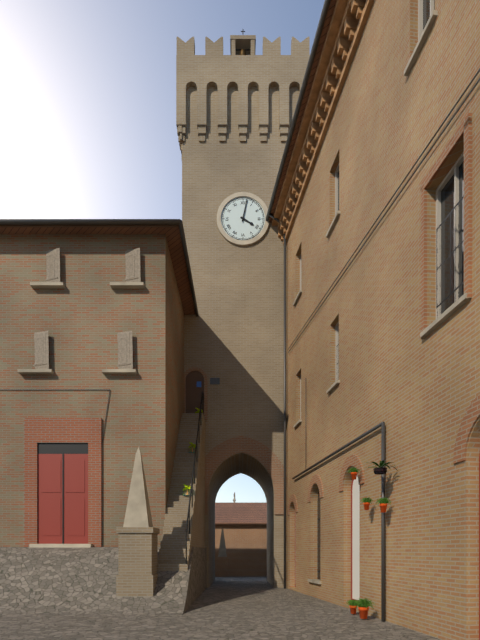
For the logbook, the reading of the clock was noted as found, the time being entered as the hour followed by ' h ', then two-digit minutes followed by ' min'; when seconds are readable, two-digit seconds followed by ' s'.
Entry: 4 h 02 min
